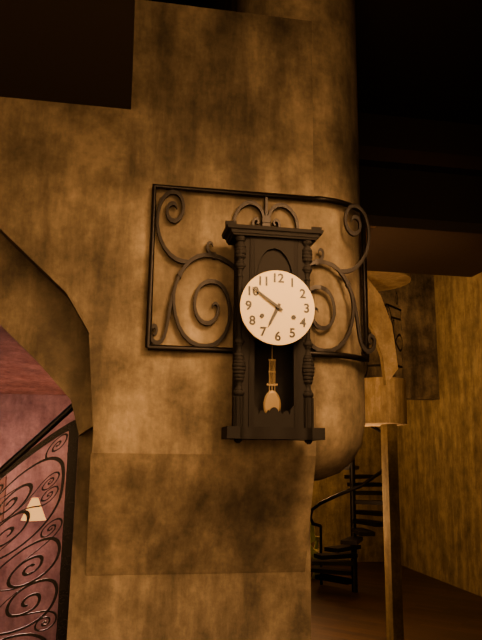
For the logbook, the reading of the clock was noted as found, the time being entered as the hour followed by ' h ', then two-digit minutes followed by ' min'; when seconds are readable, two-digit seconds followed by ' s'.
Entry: 6 h 51 min
